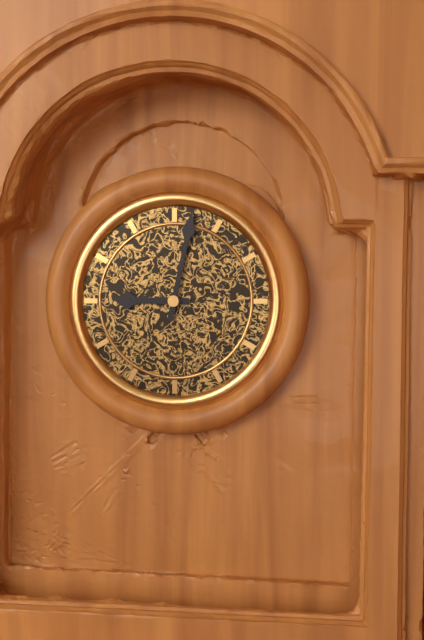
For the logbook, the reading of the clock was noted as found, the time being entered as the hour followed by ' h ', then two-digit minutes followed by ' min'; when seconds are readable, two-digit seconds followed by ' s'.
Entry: 9 h 02 min
